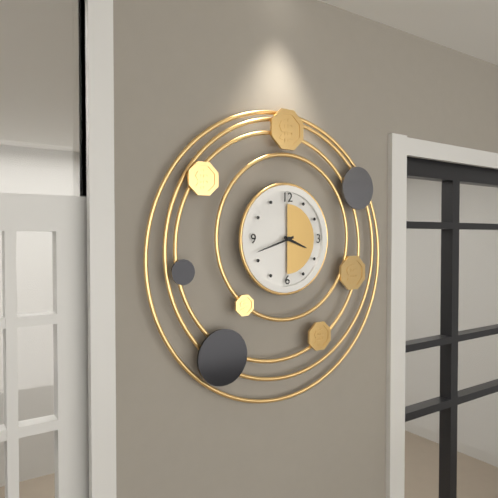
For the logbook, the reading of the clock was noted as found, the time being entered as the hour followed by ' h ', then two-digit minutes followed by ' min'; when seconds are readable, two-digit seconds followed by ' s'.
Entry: 3 h 42 min
